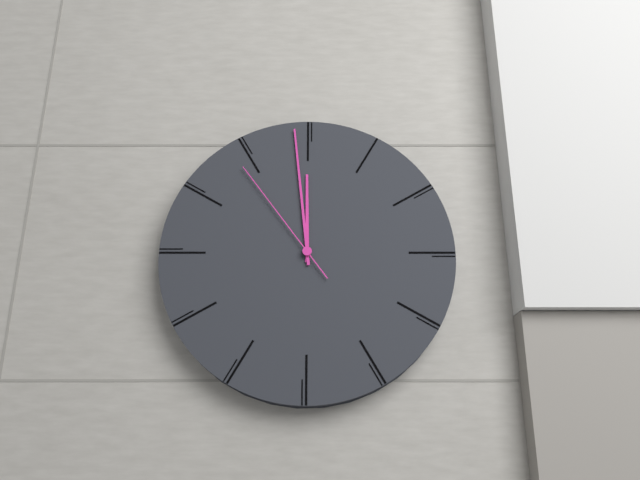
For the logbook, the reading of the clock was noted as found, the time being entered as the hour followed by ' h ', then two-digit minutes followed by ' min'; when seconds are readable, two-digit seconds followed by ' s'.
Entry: 11 h 59 min 54 s
